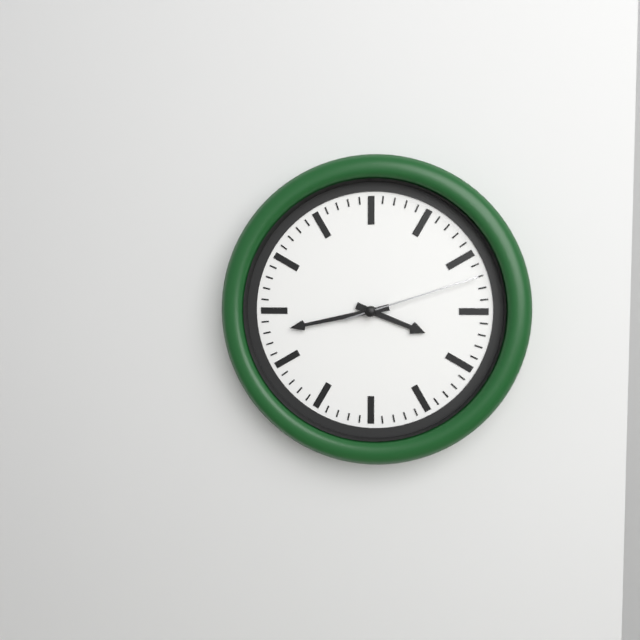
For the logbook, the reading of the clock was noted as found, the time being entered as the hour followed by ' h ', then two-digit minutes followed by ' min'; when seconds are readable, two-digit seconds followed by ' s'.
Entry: 3 h 43 min 12 s
